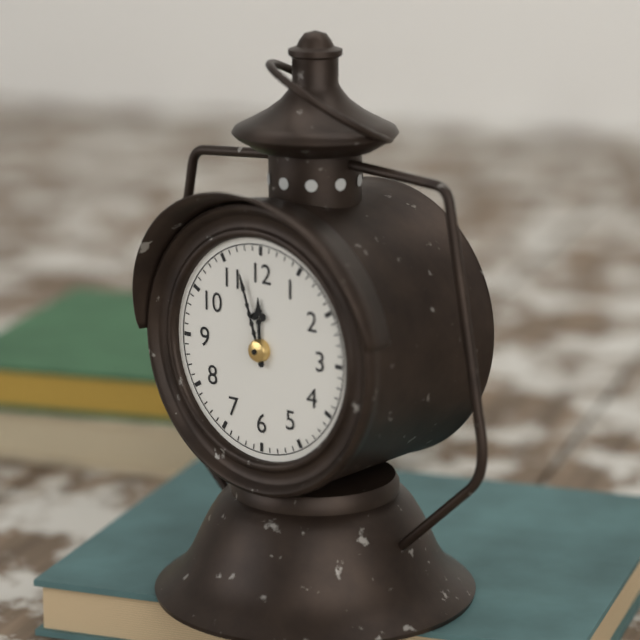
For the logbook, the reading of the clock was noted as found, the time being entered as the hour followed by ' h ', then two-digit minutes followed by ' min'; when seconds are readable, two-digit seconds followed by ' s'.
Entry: 11 h 57 min
